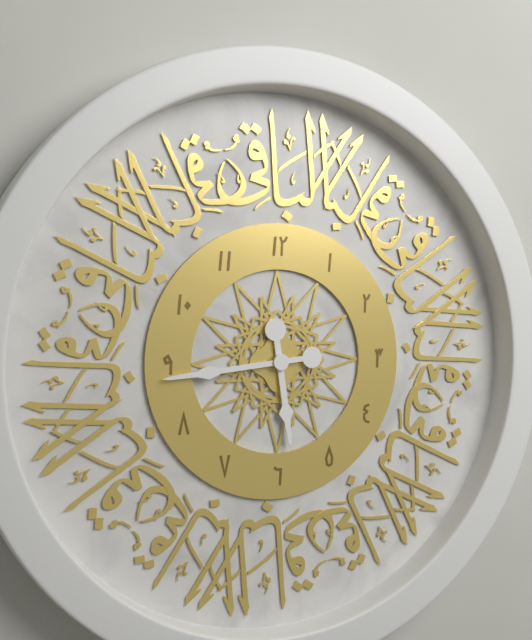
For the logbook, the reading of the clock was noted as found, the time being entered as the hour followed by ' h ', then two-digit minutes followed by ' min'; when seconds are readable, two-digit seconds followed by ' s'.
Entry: 5 h 44 min
